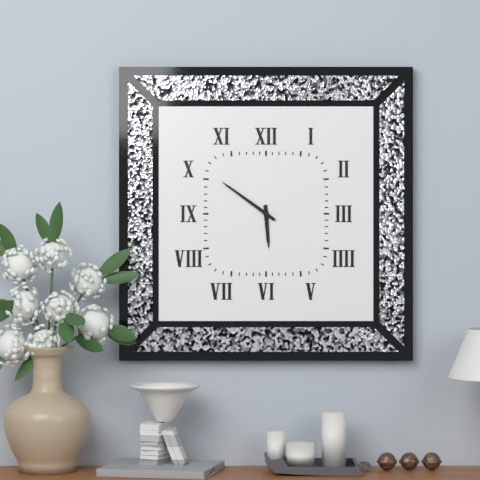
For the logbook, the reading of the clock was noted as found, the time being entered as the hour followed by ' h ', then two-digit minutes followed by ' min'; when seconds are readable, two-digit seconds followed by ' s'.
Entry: 5 h 51 min
